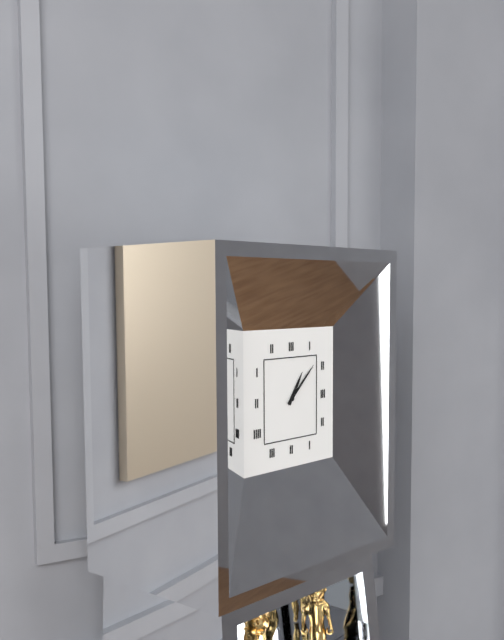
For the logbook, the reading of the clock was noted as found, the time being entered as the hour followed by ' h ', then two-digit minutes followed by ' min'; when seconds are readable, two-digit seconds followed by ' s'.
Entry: 1 h 08 min
